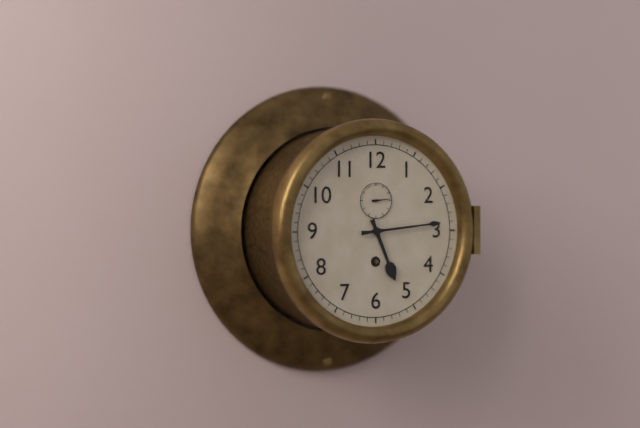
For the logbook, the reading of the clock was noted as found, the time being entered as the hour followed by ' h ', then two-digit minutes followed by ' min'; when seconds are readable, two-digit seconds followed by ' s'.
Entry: 5 h 14 min
